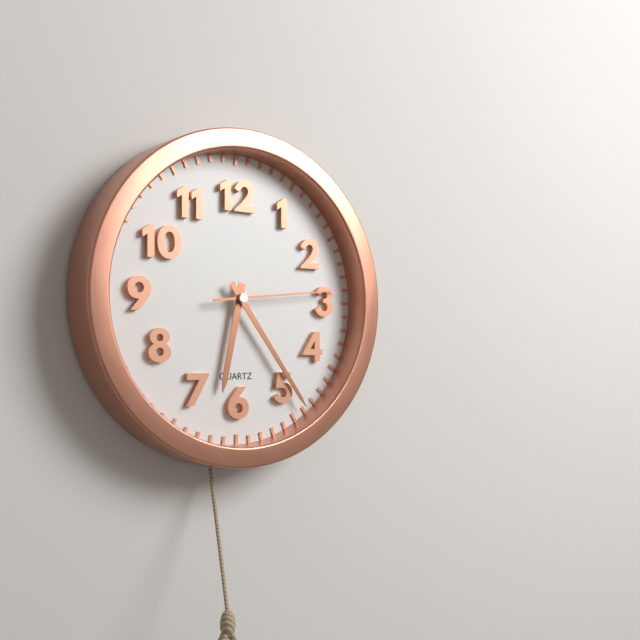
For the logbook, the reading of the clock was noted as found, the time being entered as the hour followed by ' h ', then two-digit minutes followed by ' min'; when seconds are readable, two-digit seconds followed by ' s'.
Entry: 6 h 24 min 14 s
